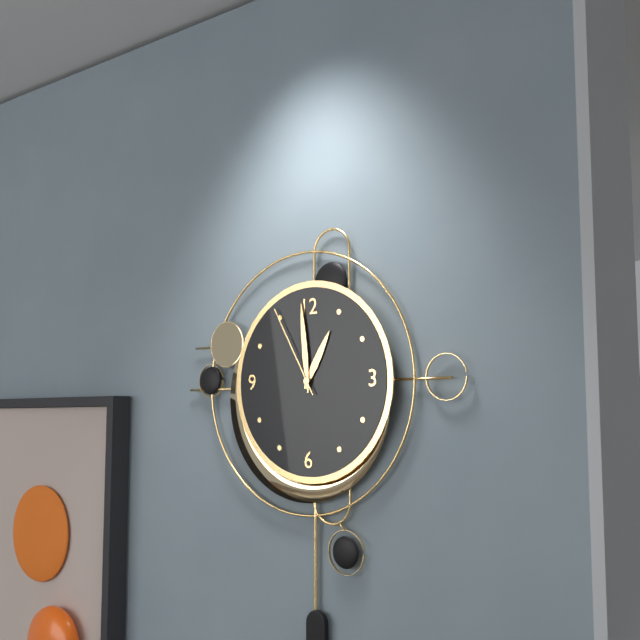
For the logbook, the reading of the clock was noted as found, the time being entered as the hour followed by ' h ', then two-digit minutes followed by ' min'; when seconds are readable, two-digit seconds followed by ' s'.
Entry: 12 h 59 min 55 s
